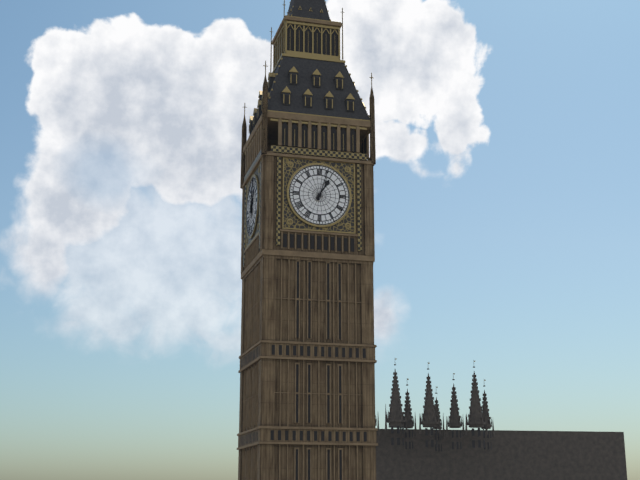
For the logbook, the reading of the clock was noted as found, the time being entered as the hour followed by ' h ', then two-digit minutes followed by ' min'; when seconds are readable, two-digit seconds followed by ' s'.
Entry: 1 h 03 min
